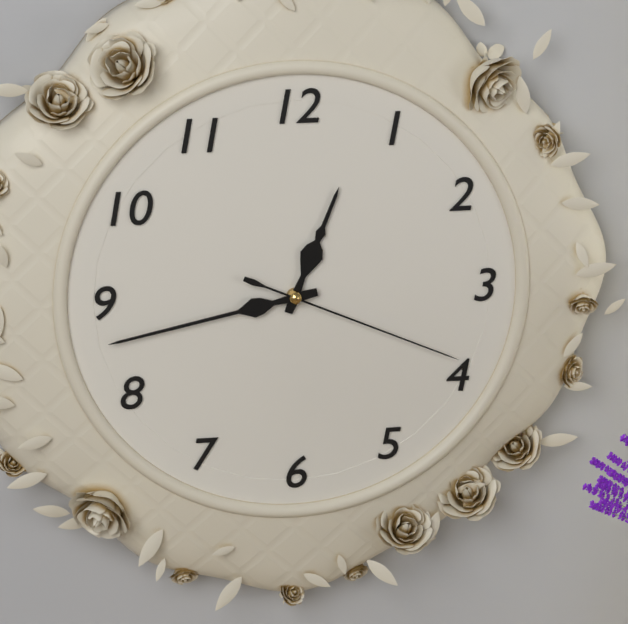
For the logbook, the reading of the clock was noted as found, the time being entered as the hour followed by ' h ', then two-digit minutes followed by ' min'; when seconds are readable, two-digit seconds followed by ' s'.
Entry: 12 h 43 min 19 s
